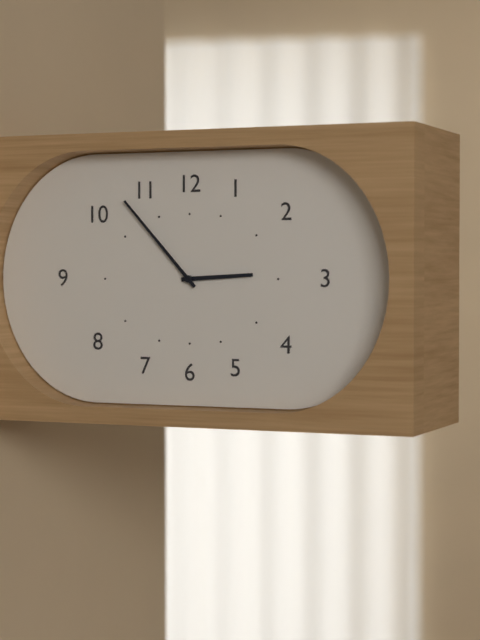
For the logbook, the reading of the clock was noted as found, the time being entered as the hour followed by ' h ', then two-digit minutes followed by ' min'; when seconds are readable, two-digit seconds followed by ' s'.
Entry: 2 h 53 min
